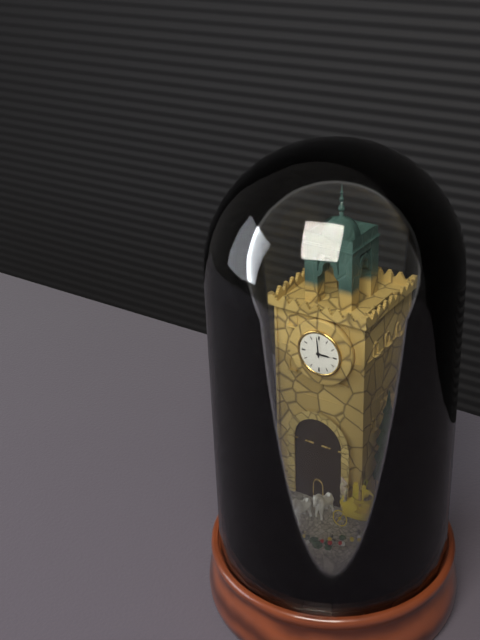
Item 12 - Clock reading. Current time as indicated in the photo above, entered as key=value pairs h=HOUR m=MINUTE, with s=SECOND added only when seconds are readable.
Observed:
h=2 m=59
